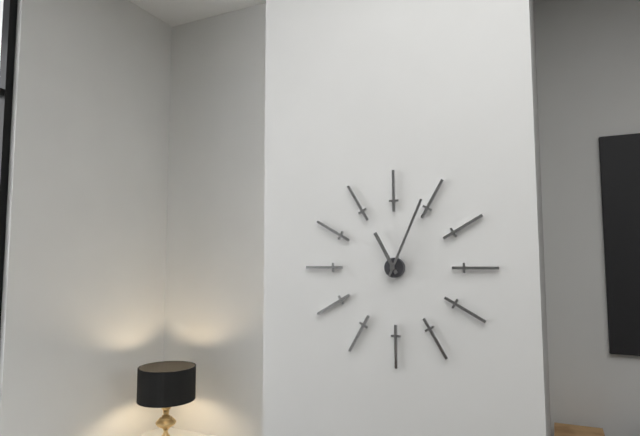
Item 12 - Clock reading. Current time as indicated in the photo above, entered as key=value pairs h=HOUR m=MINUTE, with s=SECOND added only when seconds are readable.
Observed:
h=11 m=4
